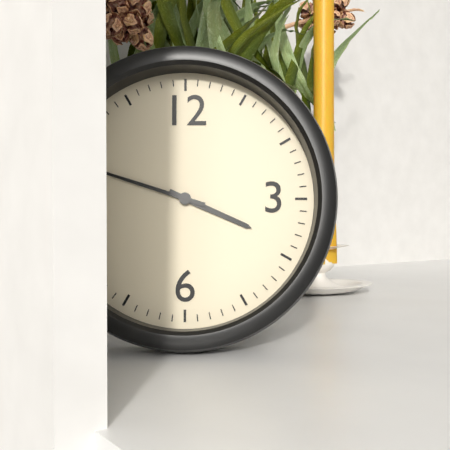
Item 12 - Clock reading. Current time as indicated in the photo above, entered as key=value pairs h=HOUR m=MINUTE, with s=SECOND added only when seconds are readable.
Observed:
h=3 m=48
